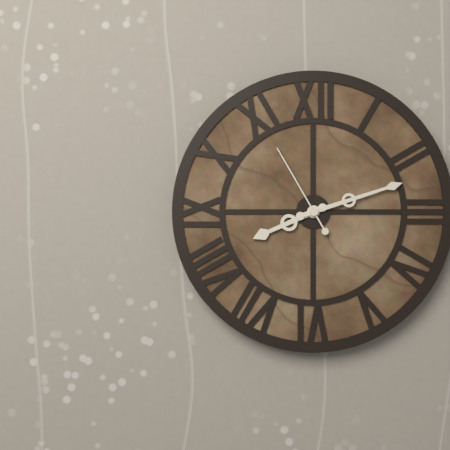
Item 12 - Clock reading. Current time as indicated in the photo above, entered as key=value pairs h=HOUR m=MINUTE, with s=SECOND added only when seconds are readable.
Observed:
h=8 m=12 s=55
